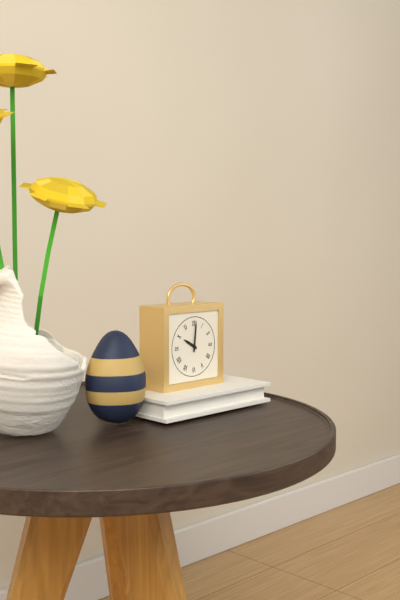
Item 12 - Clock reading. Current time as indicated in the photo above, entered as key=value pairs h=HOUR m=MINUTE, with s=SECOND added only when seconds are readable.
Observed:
h=10 m=1
